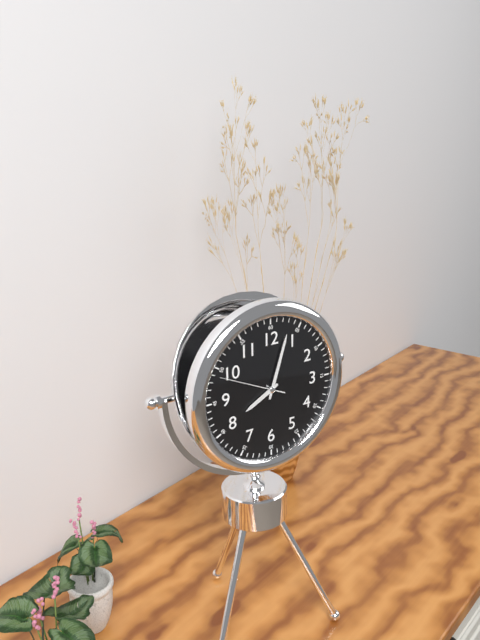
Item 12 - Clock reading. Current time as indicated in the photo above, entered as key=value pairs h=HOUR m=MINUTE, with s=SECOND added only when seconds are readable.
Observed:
h=8 m=3 s=49
